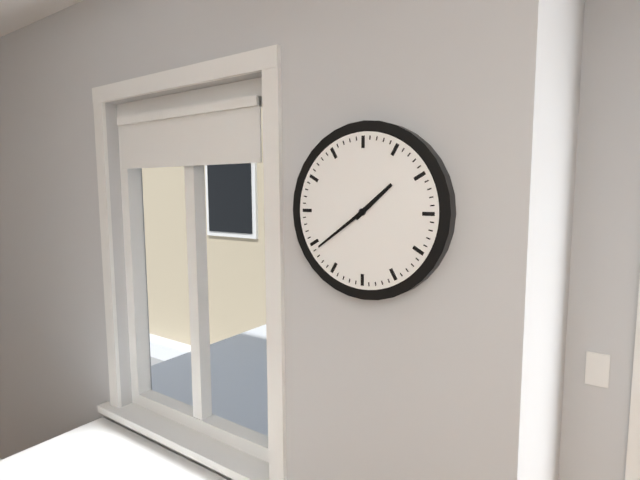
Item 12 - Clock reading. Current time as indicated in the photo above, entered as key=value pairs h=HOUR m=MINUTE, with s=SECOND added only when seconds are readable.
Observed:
h=1 m=39
